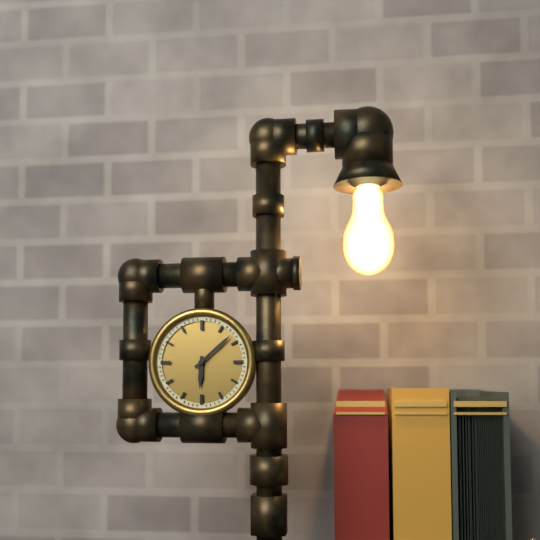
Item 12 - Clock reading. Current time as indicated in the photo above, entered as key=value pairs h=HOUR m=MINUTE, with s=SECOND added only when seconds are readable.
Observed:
h=6 m=8
